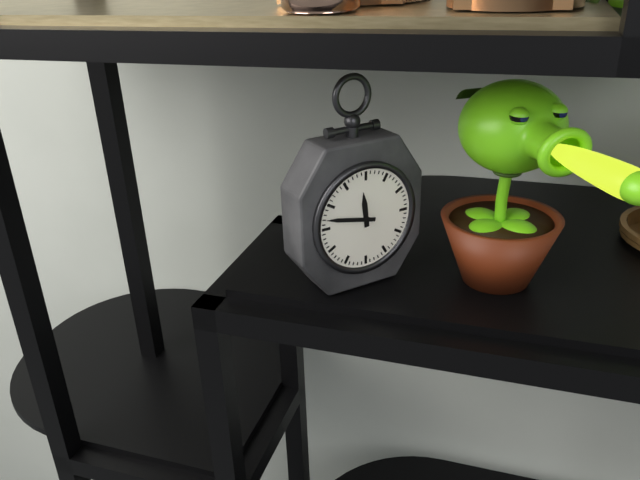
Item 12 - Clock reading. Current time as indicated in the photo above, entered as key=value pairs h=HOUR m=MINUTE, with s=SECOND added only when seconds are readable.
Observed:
h=11 m=47
